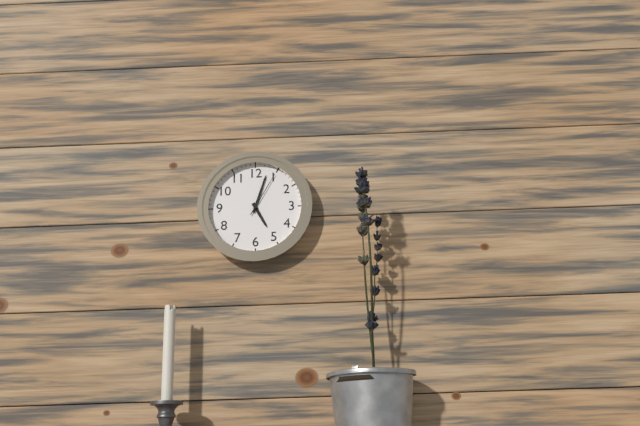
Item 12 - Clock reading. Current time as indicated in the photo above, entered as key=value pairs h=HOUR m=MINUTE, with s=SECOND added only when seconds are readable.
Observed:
h=5 m=3
